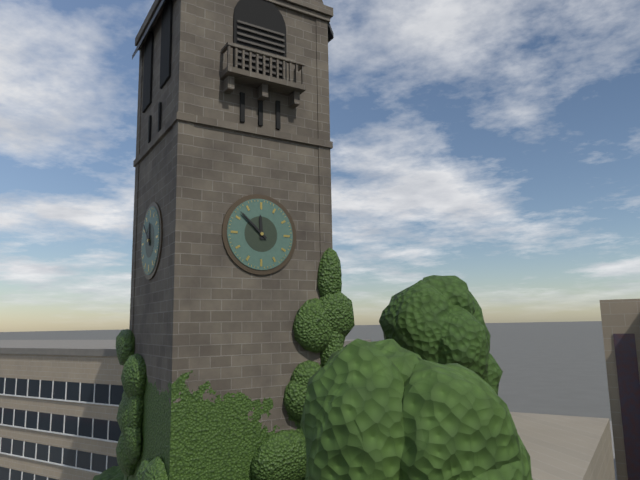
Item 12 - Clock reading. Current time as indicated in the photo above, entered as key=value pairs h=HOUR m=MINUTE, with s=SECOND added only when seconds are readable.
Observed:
h=11 m=52
